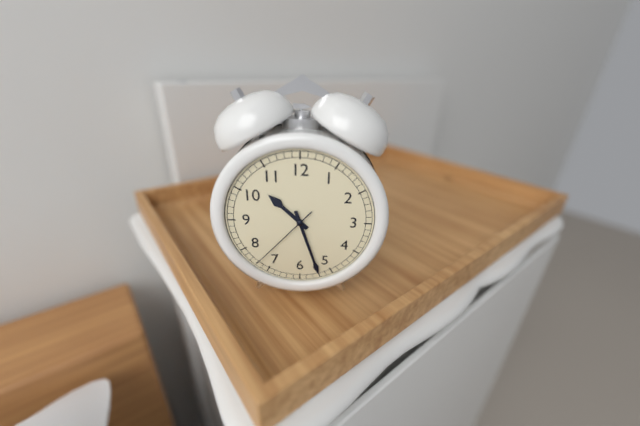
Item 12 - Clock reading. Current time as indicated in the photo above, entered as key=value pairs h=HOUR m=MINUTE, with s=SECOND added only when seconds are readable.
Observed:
h=10 m=27 s=37
